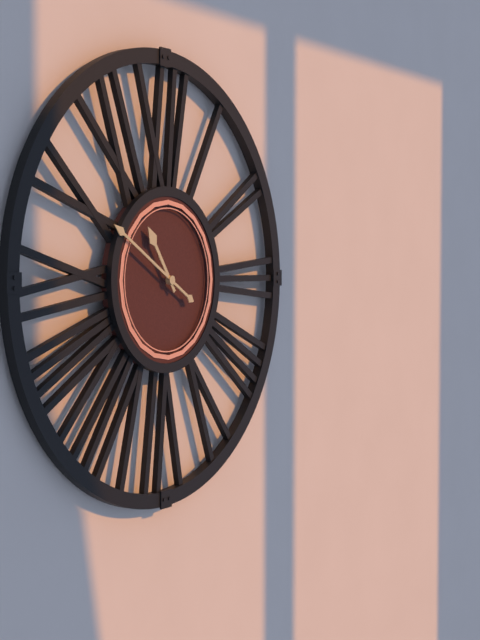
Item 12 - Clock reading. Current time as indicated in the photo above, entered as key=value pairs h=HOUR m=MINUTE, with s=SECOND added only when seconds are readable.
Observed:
h=10 m=50
